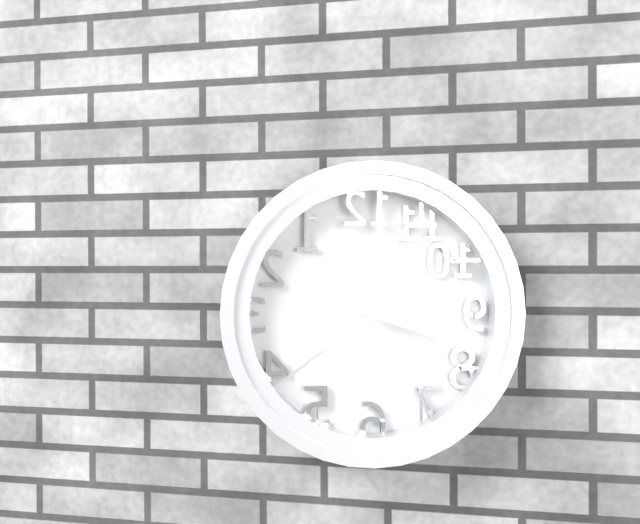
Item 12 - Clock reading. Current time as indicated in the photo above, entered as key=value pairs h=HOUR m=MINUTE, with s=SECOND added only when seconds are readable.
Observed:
h=3 m=39
